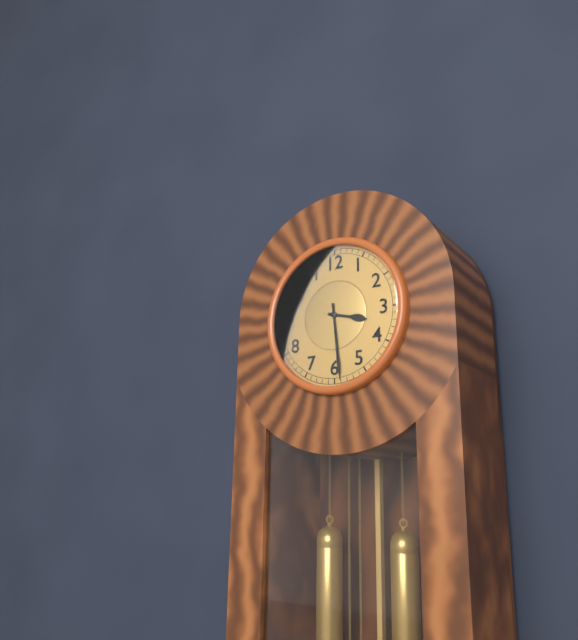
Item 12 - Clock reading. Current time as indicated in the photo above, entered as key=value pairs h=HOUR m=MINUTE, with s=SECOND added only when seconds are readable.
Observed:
h=3 m=29
